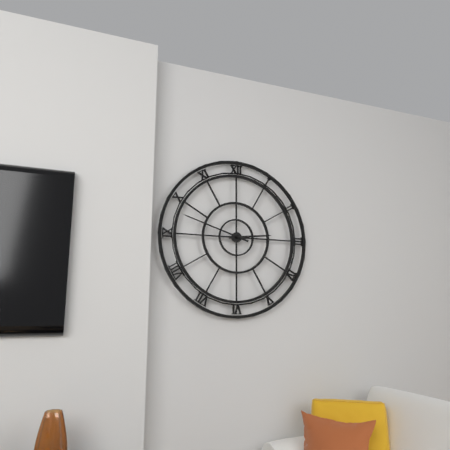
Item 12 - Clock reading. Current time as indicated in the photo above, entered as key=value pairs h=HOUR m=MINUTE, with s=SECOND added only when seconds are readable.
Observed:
h=2 m=48
